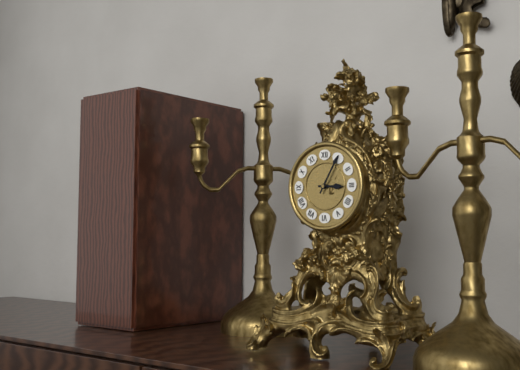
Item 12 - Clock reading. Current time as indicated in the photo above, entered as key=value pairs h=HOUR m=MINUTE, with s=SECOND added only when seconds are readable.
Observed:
h=3 m=5
